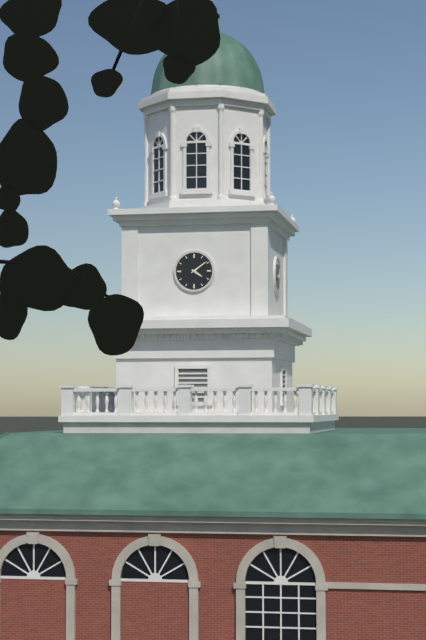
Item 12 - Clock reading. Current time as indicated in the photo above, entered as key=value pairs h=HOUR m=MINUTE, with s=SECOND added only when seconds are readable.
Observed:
h=4 m=9
